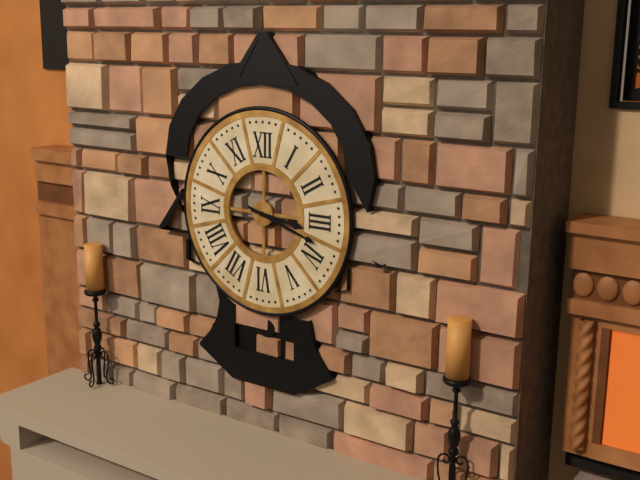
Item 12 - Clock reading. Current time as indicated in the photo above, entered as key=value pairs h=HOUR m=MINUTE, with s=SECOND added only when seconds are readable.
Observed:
h=3 m=18
